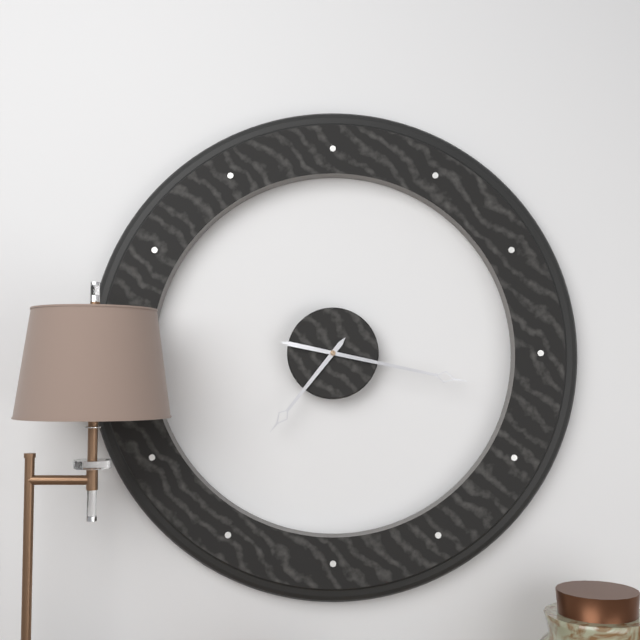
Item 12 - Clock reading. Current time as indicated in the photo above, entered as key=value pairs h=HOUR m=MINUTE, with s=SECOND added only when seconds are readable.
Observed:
h=7 m=17
